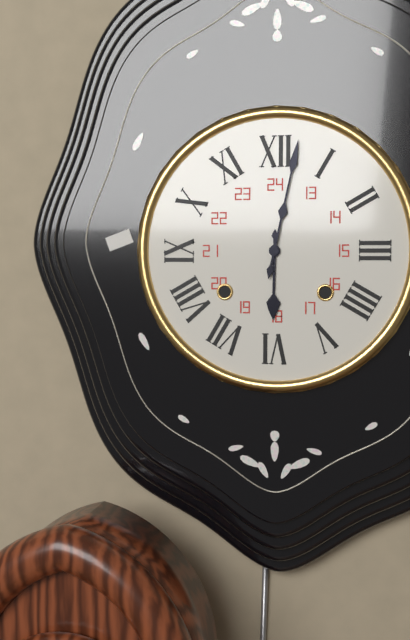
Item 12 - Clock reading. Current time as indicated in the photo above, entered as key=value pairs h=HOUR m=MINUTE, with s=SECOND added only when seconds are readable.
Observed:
h=6 m=2
